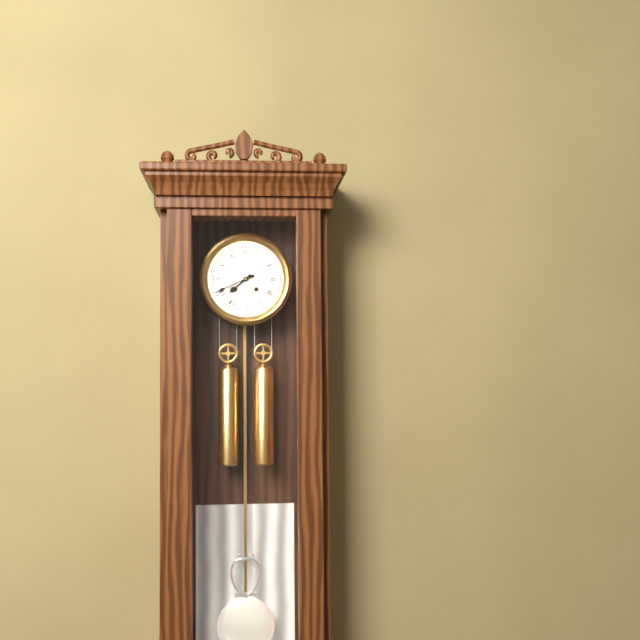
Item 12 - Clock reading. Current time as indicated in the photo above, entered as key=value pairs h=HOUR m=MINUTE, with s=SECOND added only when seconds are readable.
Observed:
h=7 m=41
